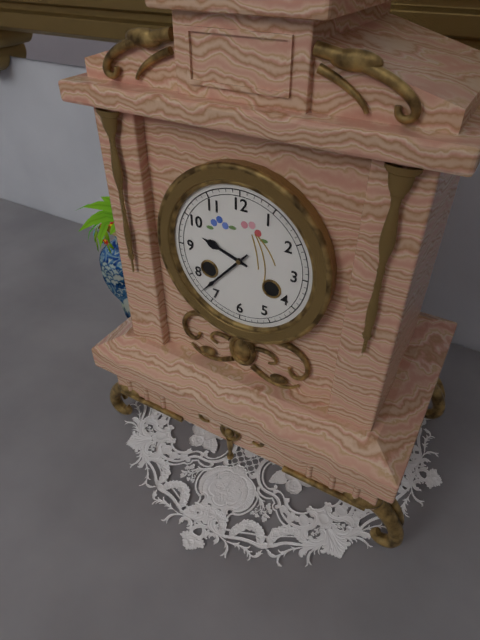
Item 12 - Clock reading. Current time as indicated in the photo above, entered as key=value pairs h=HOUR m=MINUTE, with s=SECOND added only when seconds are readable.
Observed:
h=9 m=37
